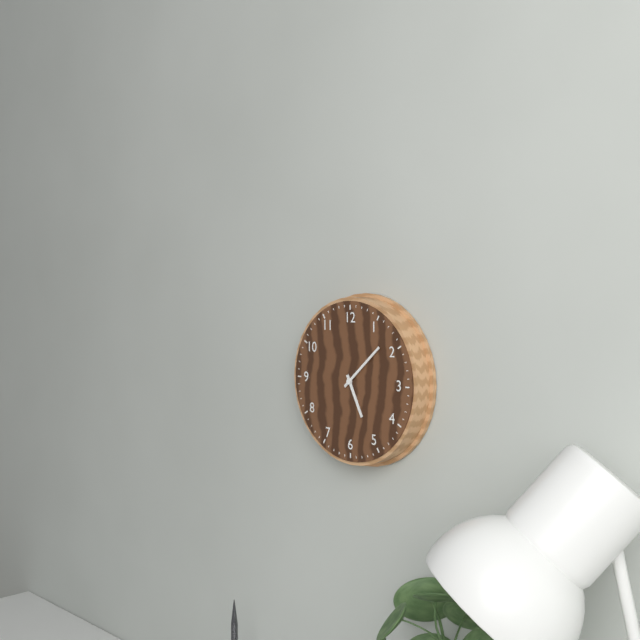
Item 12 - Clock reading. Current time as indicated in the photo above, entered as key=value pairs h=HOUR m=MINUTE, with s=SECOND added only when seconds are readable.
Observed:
h=5 m=8
